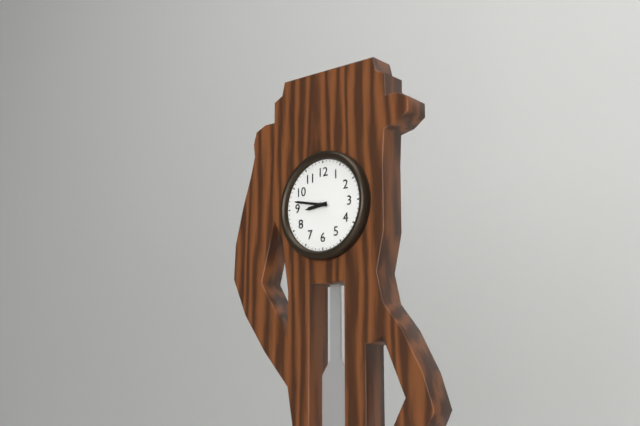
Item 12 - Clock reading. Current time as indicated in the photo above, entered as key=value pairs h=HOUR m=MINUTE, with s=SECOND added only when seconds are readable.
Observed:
h=8 m=47
